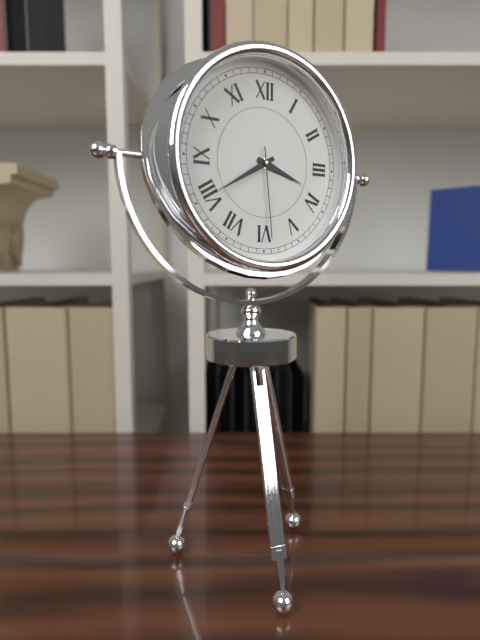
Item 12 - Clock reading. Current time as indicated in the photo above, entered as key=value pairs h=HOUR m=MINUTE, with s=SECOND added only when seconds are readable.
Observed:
h=3 m=40 s=29
